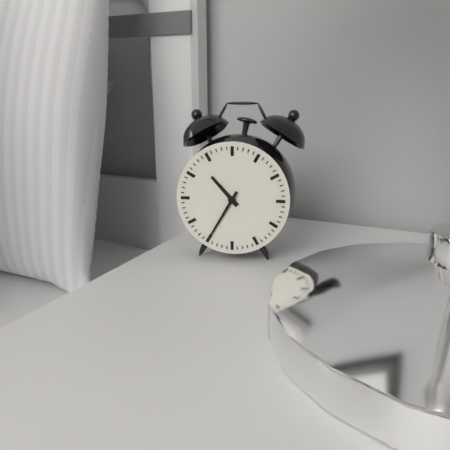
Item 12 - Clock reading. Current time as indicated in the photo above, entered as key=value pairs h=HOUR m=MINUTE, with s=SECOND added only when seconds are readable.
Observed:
h=10 m=35
